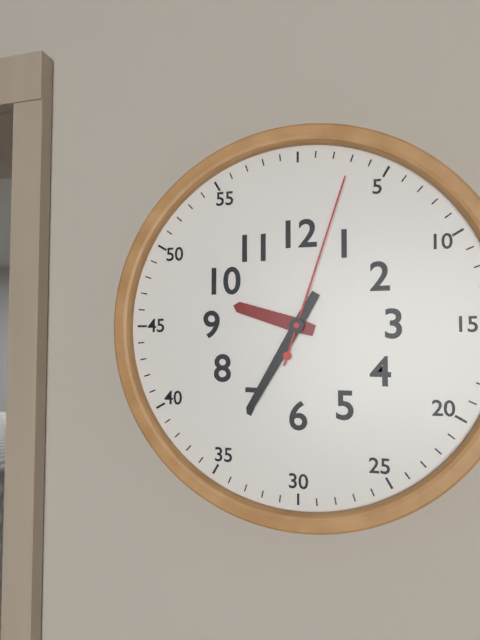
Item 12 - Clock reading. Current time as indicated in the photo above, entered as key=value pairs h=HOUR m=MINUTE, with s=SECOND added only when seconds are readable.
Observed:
h=9 m=35 s=3
